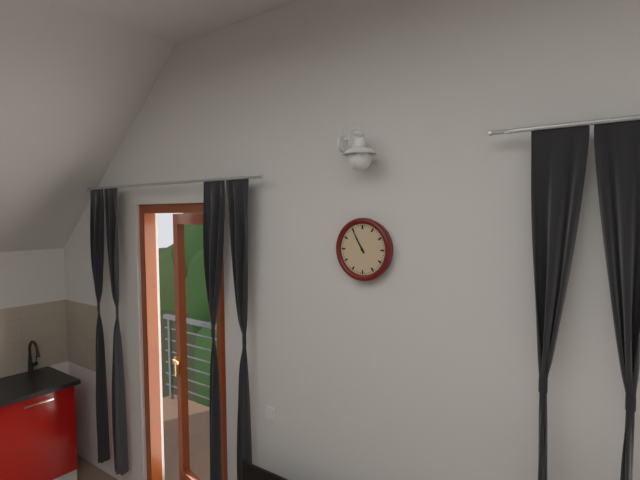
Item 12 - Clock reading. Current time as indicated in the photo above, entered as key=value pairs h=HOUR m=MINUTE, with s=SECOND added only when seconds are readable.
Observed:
h=10 m=55
